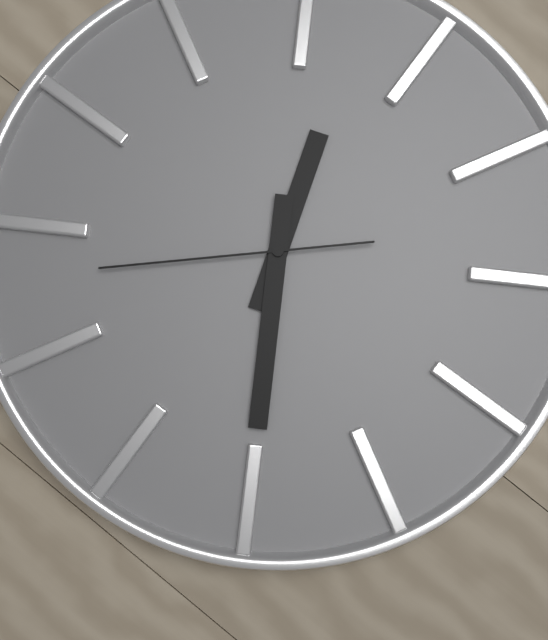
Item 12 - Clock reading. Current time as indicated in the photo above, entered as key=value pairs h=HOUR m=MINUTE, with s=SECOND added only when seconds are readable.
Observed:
h=11 m=25 s=38
